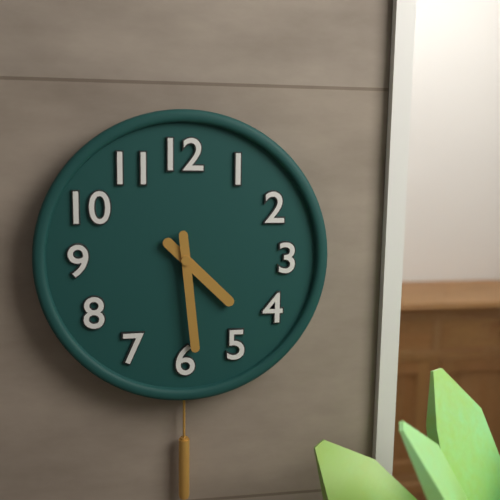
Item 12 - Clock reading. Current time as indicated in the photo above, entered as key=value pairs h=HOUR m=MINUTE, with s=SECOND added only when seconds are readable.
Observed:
h=4 m=29
